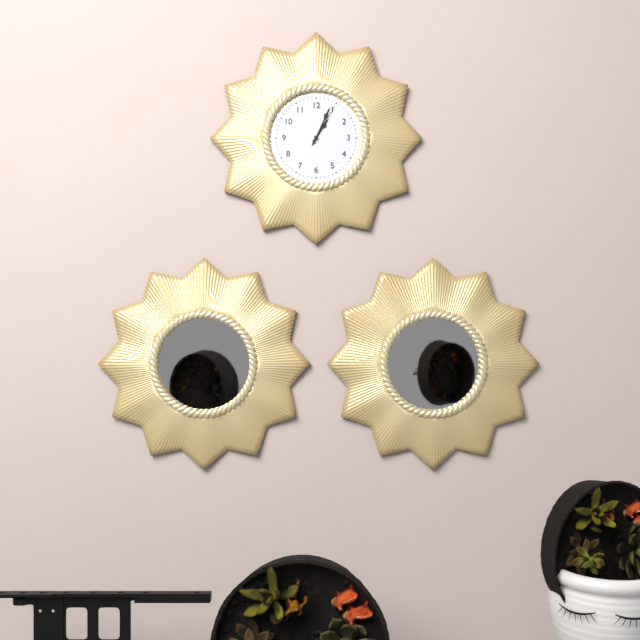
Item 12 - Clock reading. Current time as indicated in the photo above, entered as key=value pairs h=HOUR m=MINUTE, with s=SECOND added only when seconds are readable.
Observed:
h=1 m=4
